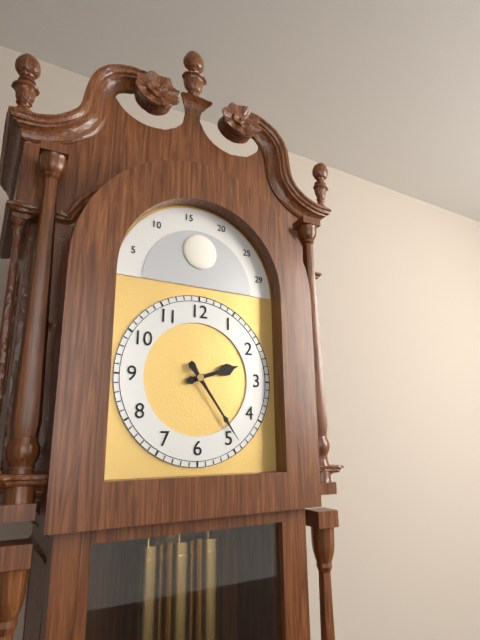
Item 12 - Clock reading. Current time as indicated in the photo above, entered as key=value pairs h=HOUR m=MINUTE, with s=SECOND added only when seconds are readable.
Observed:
h=2 m=24
